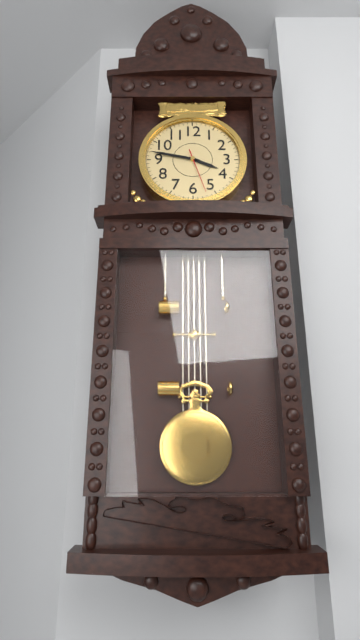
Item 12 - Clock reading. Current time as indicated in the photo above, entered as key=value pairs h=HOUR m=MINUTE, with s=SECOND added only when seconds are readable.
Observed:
h=3 m=47
